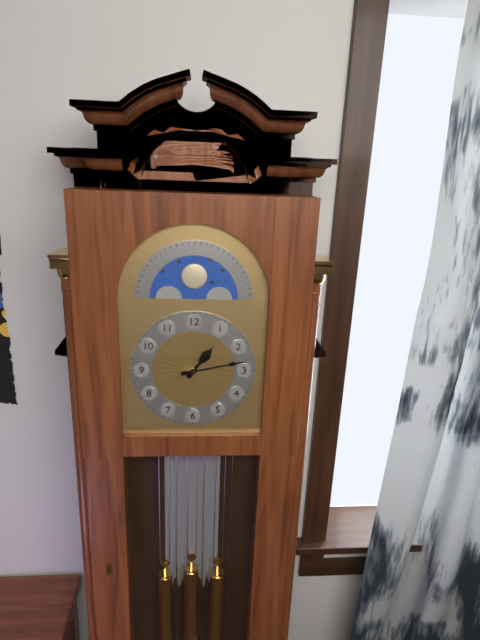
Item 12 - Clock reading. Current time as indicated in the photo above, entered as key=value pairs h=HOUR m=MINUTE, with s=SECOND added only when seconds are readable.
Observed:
h=1 m=13
